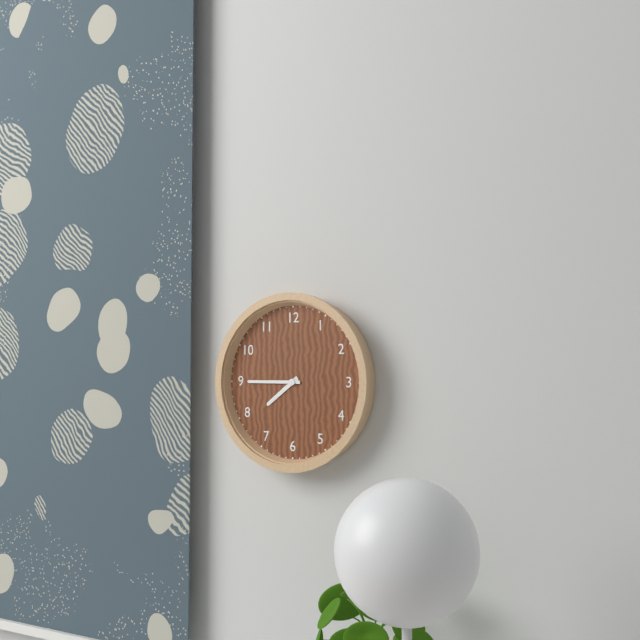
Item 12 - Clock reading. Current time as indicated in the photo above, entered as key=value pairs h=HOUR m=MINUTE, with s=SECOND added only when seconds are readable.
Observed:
h=7 m=45
